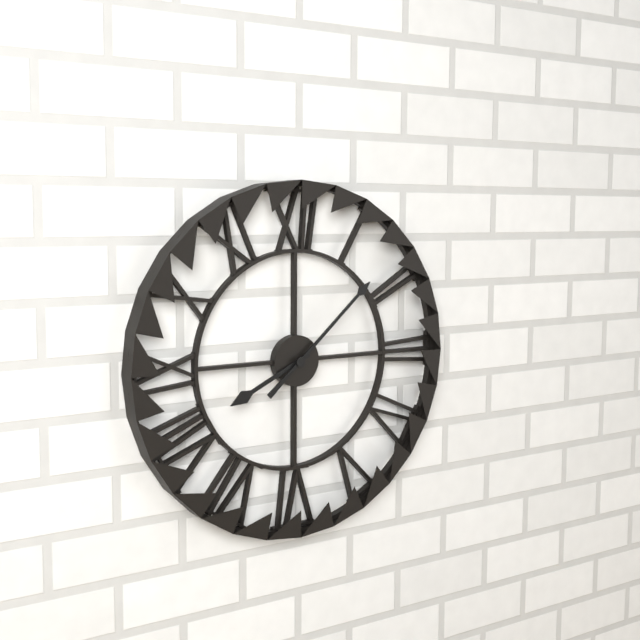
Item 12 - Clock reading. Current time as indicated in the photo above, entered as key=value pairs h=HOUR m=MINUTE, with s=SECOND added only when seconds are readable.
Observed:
h=8 m=8
